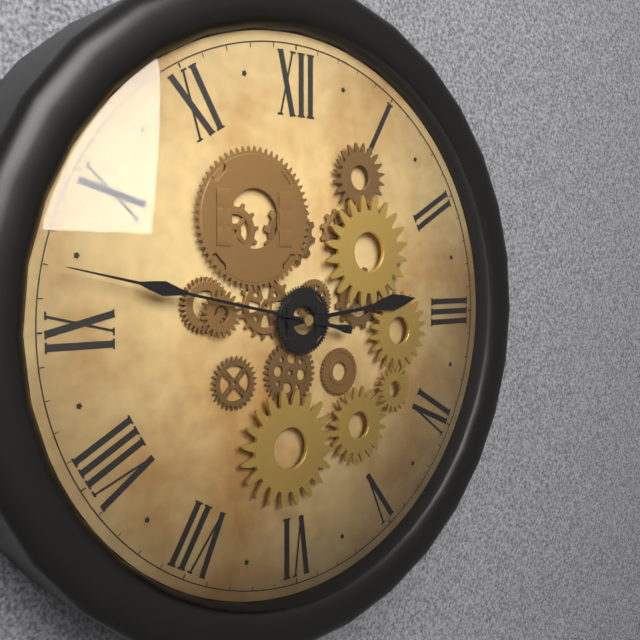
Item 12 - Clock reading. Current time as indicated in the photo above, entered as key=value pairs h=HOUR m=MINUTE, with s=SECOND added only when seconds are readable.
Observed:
h=2 m=47
